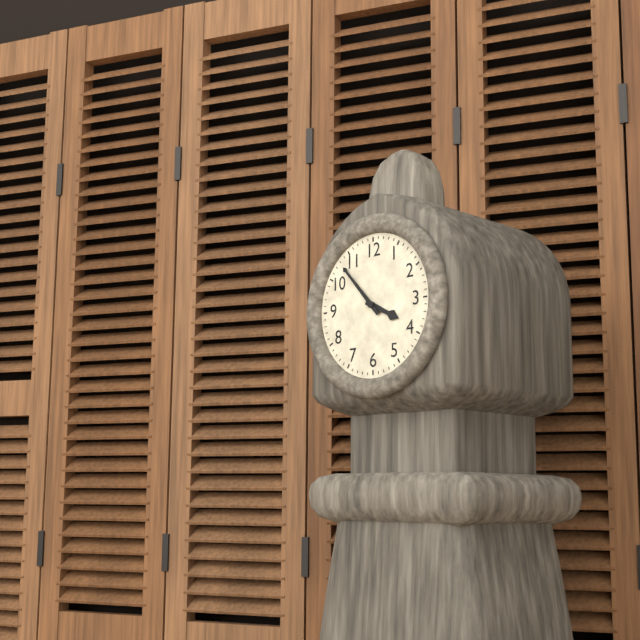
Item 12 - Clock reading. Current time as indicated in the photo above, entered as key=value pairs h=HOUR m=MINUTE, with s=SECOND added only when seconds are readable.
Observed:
h=3 m=53
